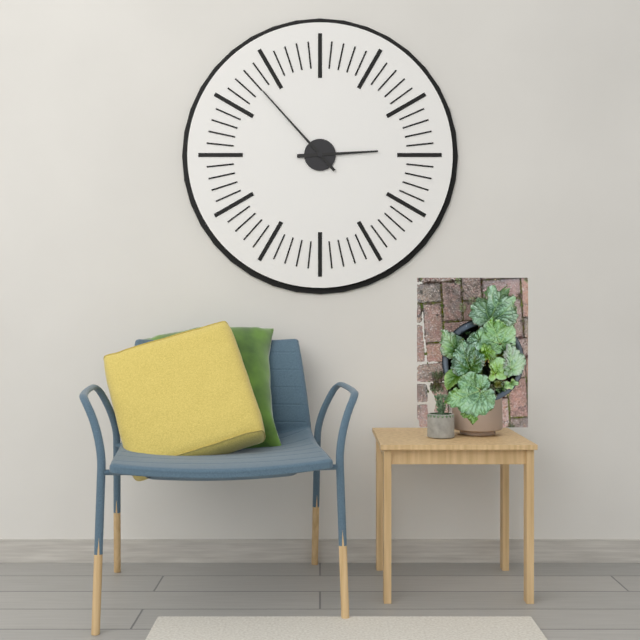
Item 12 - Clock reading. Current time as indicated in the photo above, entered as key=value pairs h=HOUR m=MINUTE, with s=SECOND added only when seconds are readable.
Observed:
h=2 m=53
